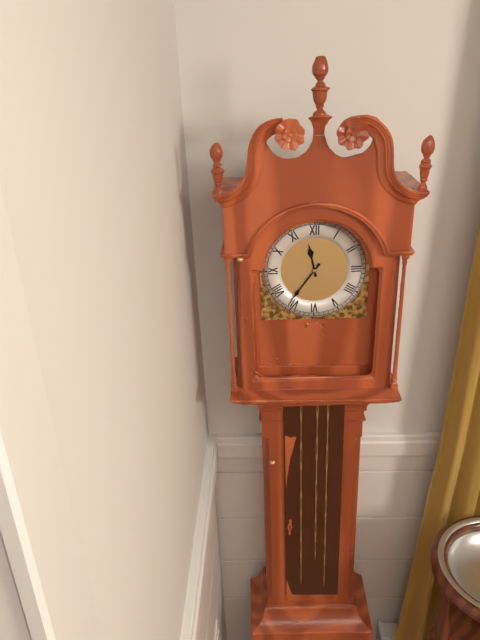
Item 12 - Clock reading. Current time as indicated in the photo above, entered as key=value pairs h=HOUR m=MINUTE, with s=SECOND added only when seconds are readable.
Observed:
h=11 m=36
